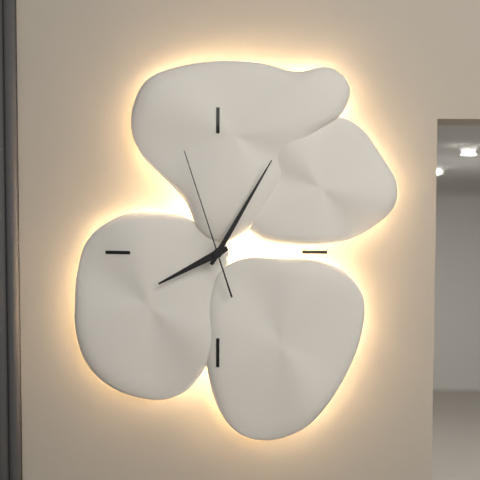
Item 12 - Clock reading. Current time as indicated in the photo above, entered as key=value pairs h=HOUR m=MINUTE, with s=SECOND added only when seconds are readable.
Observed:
h=8 m=5 s=57
